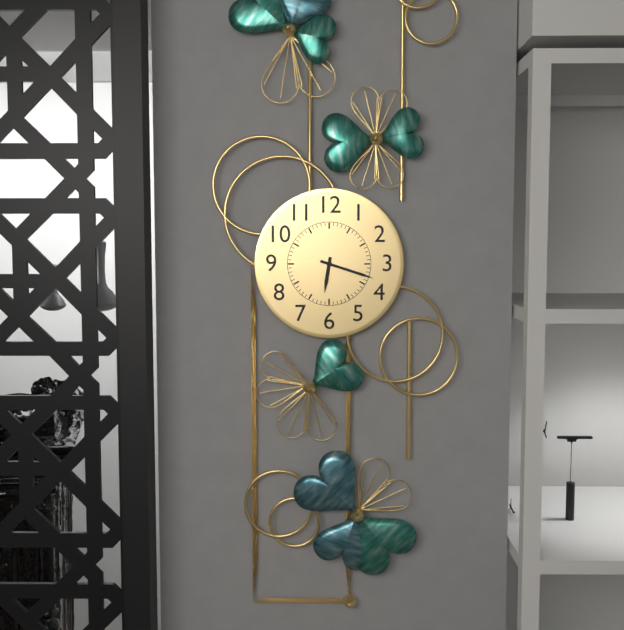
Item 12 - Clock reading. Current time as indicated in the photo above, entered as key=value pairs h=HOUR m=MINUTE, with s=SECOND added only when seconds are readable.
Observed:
h=6 m=18
